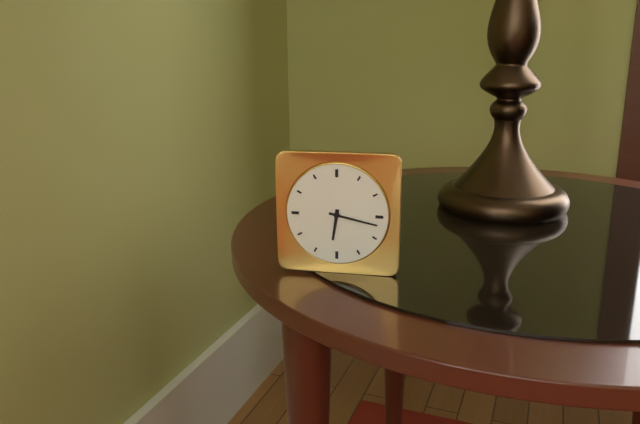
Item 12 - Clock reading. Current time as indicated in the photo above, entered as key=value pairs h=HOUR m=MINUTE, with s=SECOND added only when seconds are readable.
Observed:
h=6 m=17
